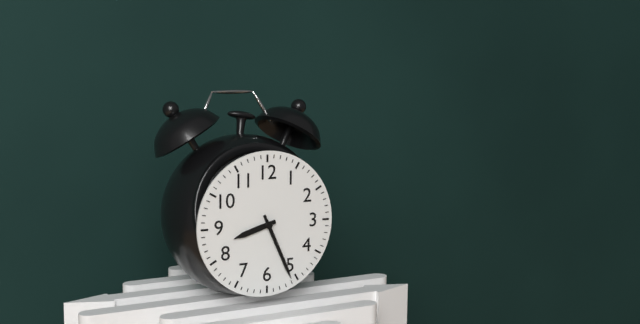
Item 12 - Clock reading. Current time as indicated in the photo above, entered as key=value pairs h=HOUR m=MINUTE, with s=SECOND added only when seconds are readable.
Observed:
h=8 m=26
